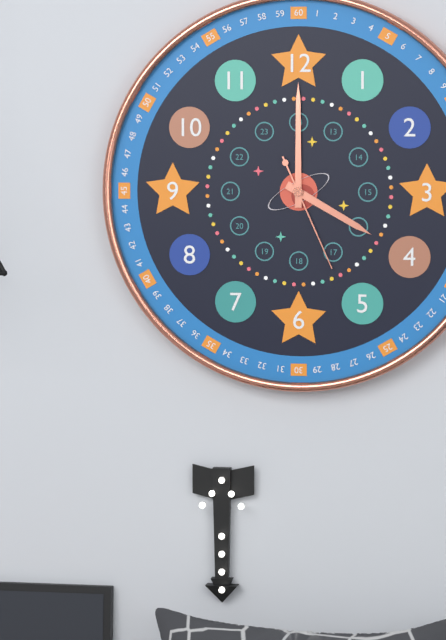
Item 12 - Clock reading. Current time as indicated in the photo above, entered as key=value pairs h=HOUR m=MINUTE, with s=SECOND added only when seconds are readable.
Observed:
h=4 m=0 s=26
